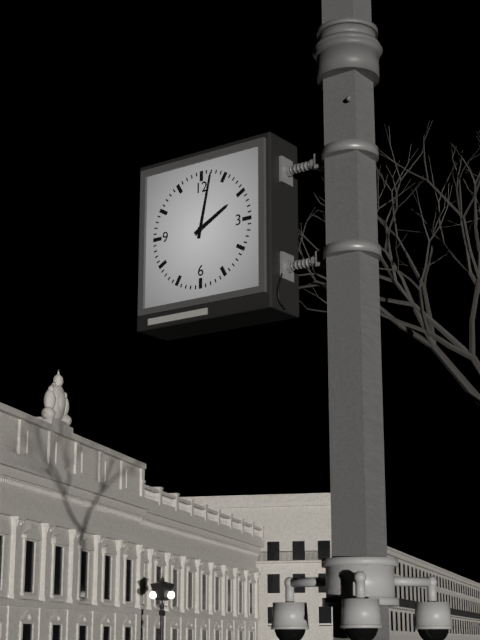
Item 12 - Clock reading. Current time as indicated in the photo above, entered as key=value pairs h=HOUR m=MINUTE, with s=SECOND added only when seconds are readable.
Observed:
h=2 m=2
